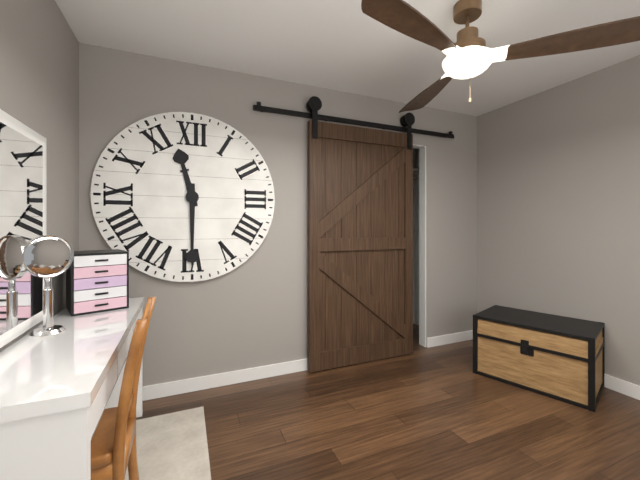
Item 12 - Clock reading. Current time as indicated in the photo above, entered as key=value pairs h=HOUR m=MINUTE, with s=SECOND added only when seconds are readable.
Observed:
h=11 m=30
